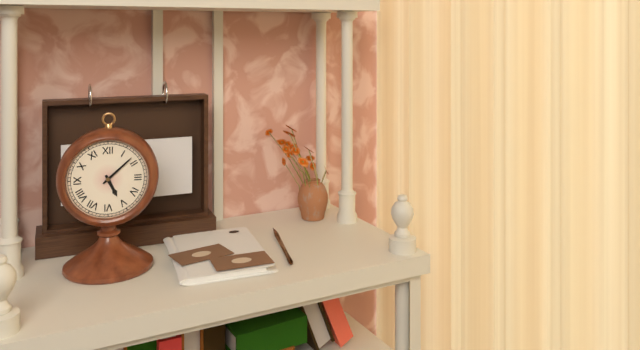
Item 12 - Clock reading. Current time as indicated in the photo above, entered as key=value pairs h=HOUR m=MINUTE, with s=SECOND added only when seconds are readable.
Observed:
h=5 m=8
